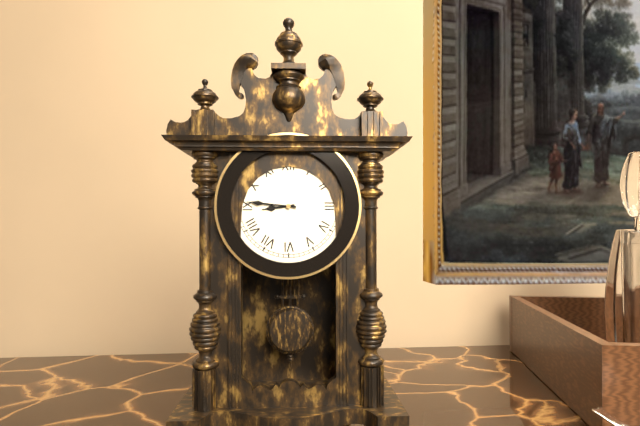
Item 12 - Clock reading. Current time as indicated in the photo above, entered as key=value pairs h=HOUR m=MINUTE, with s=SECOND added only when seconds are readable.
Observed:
h=8 m=46
